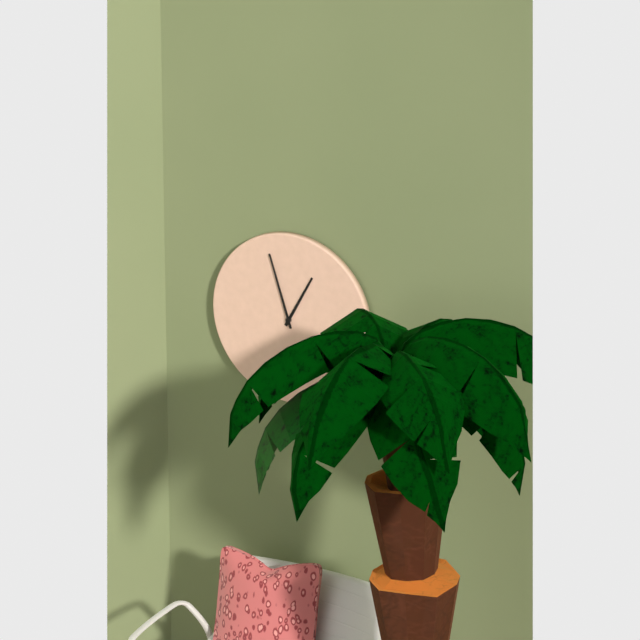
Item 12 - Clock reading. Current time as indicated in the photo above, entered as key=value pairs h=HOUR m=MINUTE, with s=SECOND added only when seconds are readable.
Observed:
h=12 m=57
